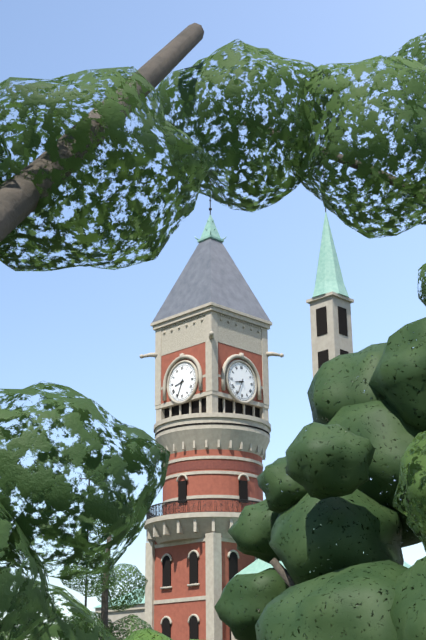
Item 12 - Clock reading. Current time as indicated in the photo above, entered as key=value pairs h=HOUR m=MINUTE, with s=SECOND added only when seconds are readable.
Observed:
h=8 m=34
